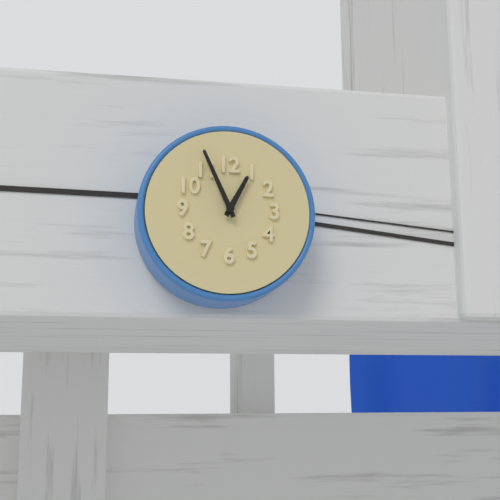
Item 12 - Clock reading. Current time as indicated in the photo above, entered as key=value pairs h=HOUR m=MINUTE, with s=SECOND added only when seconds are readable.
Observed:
h=12 m=56
